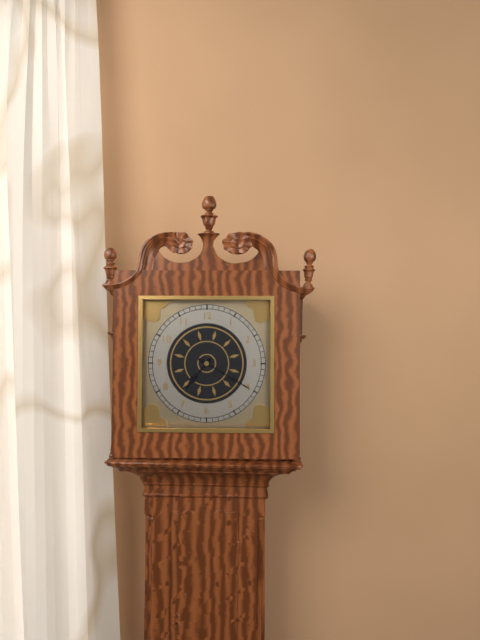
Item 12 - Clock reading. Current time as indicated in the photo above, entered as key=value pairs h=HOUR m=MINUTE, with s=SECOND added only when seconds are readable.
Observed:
h=7 m=20
